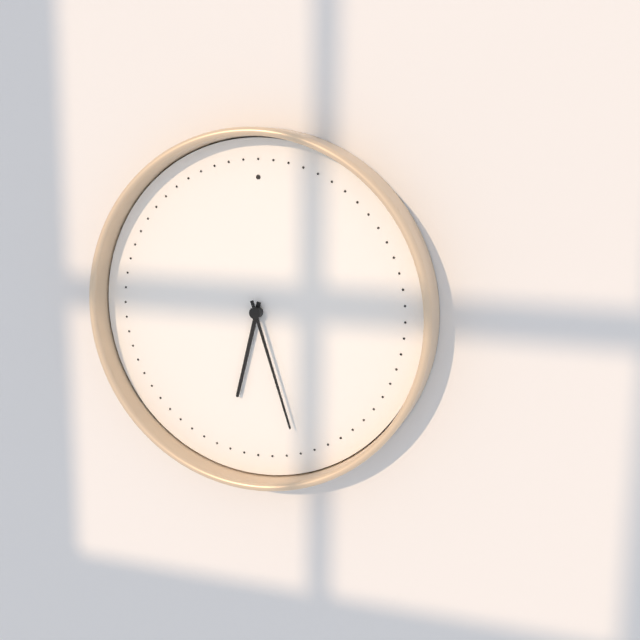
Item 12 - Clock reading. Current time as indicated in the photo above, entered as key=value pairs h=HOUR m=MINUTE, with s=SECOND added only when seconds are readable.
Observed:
h=6 m=27
